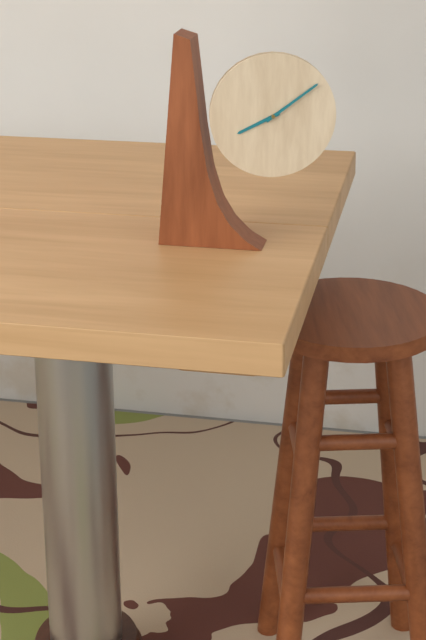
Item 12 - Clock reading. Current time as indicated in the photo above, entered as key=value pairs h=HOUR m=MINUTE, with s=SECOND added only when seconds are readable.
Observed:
h=8 m=9
